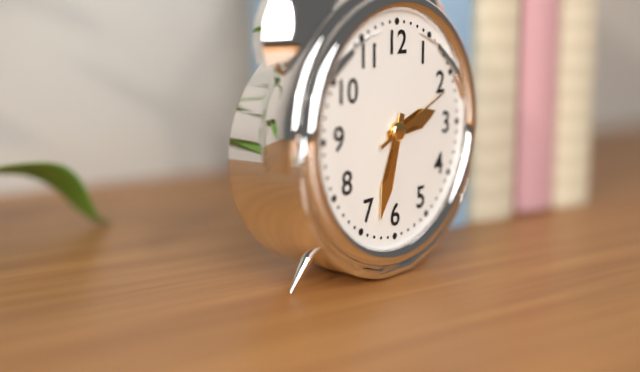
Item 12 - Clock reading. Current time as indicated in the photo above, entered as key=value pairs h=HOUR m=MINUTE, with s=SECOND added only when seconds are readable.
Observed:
h=2 m=33 s=11
